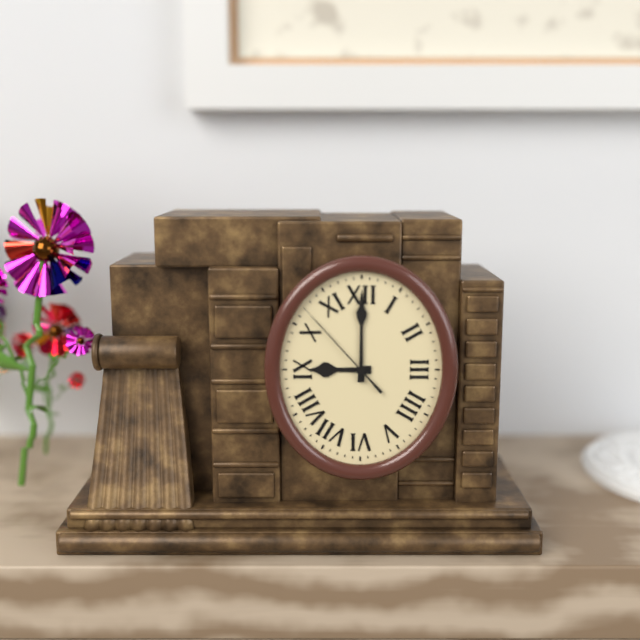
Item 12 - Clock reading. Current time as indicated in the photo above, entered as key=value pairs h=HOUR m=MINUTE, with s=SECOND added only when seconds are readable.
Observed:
h=9 m=0 s=53
